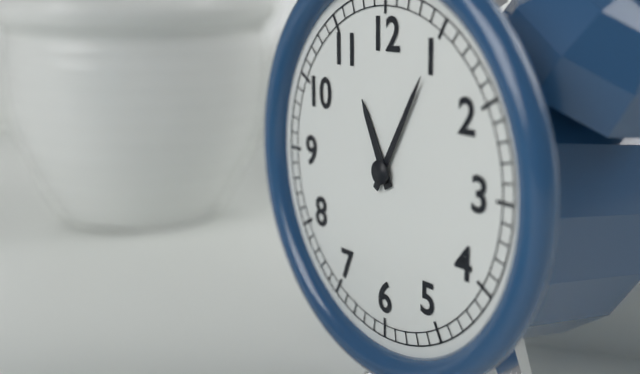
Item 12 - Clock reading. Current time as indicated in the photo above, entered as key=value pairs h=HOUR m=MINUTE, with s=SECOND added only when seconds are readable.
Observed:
h=11 m=5
